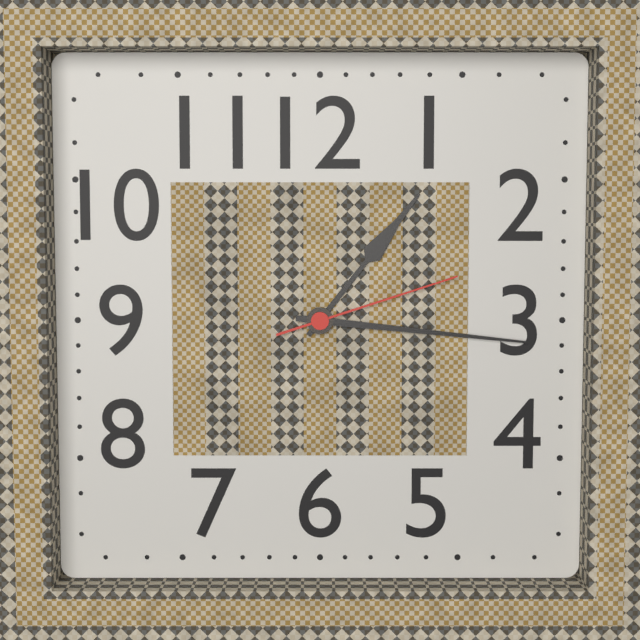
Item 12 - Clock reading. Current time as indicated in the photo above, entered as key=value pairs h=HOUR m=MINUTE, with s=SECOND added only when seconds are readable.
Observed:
h=1 m=16 s=12
